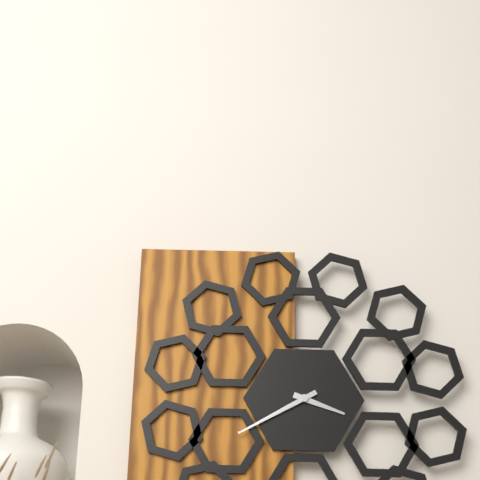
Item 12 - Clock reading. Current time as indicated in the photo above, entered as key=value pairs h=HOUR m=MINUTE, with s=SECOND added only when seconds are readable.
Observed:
h=3 m=40
